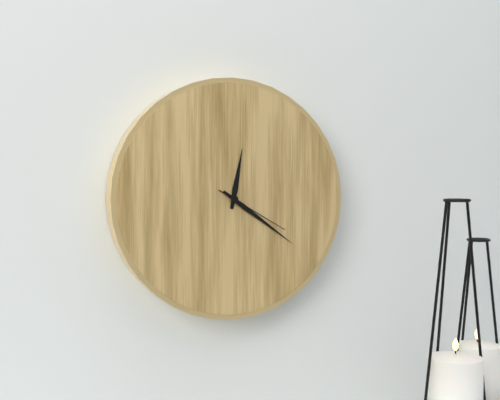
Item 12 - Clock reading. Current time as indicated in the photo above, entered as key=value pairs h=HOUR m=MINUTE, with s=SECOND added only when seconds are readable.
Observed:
h=12 m=21 s=20
